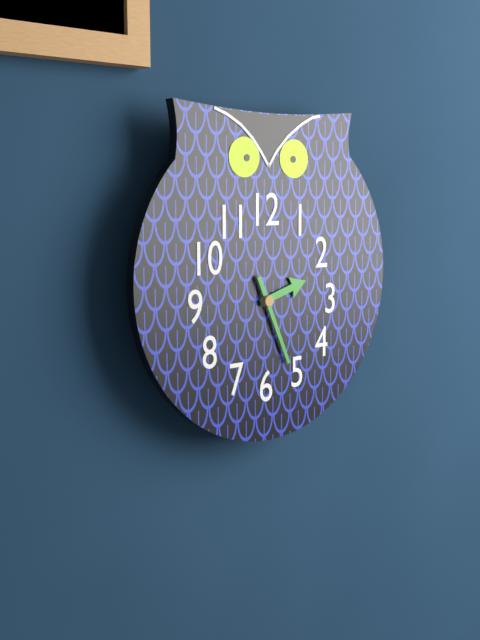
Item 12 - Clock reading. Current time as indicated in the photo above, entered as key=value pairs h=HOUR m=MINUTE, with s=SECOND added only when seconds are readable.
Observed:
h=2 m=26
